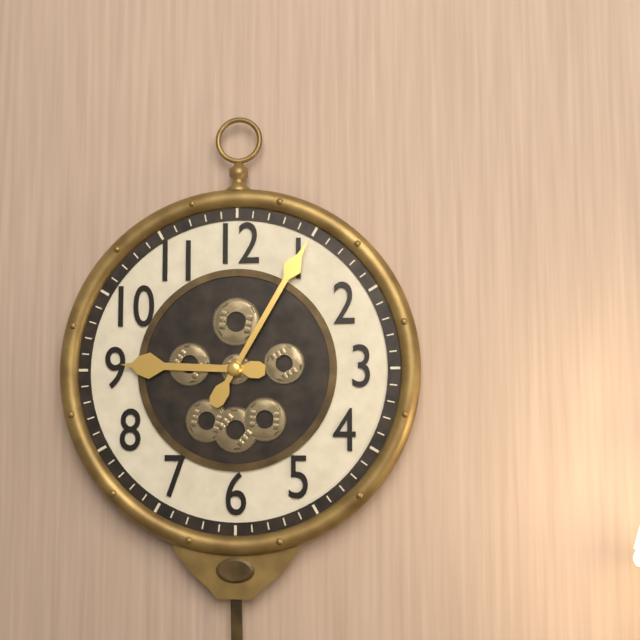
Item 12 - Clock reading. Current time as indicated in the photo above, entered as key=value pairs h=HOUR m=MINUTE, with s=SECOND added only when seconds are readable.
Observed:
h=9 m=5
